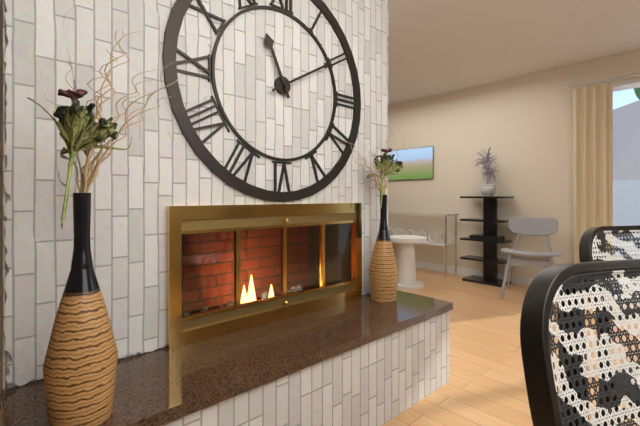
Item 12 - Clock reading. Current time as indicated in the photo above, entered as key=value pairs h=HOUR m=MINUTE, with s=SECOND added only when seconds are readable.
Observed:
h=11 m=10
